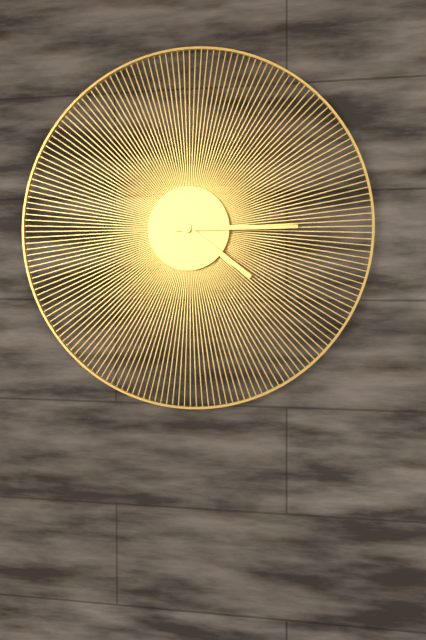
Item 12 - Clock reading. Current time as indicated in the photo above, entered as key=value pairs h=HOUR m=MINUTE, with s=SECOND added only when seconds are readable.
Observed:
h=4 m=15
